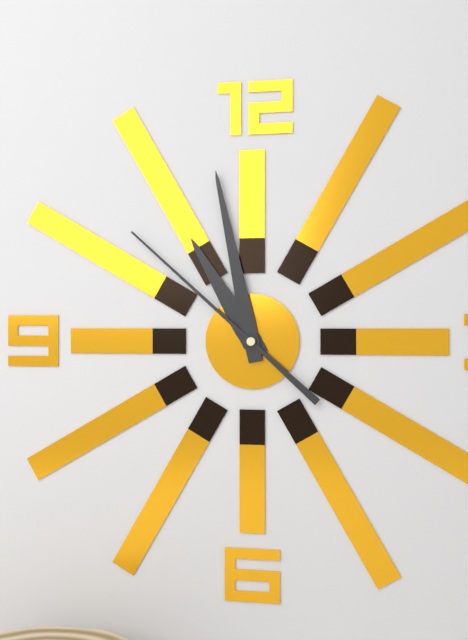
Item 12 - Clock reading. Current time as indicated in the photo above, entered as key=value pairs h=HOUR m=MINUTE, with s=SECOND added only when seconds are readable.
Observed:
h=10 m=58 s=52
